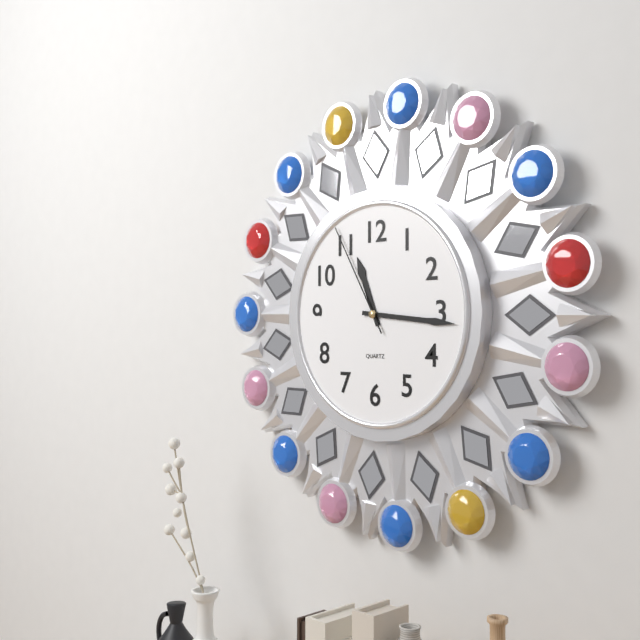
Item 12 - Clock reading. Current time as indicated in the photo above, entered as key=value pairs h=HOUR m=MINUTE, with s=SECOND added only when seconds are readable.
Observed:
h=11 m=16 s=55
